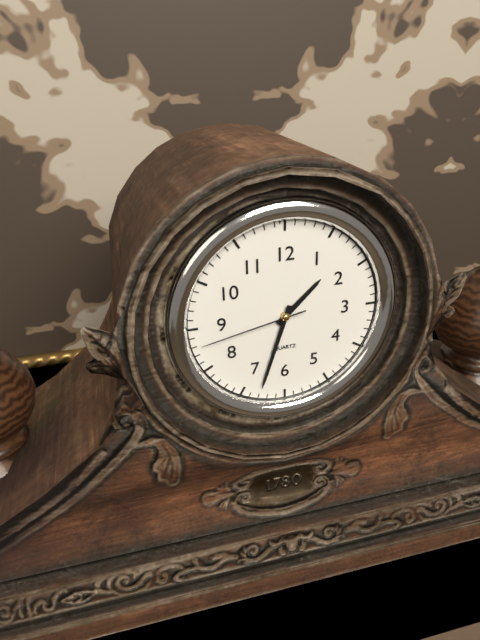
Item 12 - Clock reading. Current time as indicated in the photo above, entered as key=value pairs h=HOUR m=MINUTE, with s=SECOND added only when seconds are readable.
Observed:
h=1 m=33 s=43
